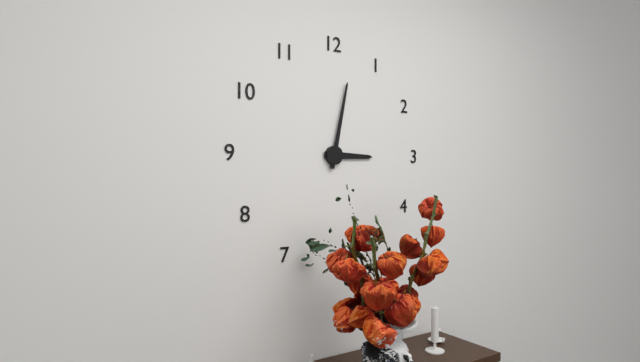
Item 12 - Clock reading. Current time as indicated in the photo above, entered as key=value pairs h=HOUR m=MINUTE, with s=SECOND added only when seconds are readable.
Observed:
h=3 m=2
